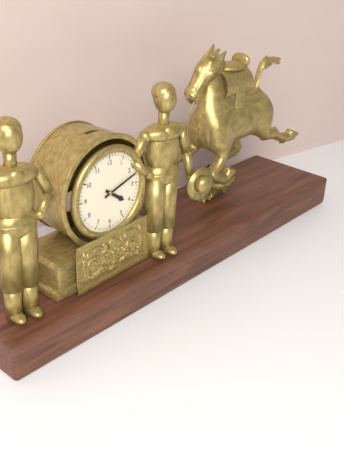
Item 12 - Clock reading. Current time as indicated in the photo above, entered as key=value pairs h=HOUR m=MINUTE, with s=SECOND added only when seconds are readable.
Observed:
h=4 m=12
